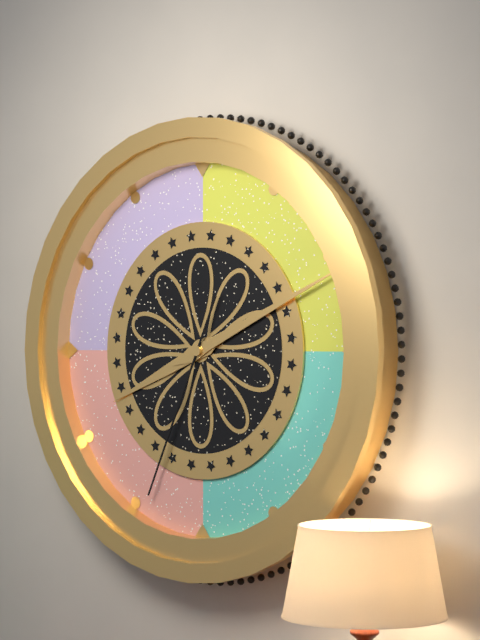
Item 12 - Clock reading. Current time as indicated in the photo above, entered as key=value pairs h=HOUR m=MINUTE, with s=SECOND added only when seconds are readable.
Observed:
h=8 m=11 s=34
